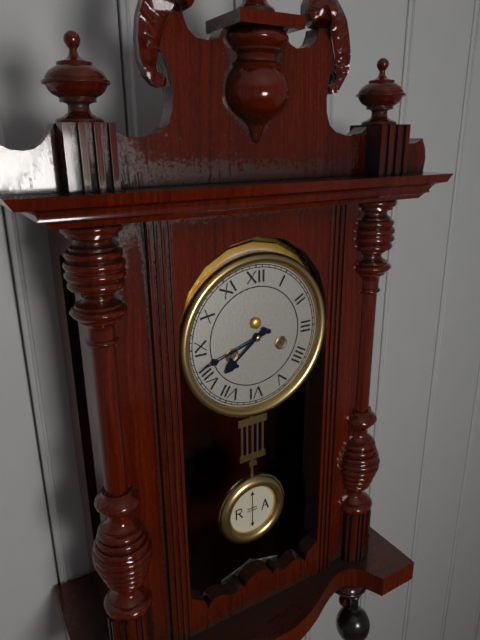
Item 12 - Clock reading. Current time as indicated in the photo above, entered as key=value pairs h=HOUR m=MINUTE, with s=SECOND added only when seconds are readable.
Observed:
h=7 m=42
